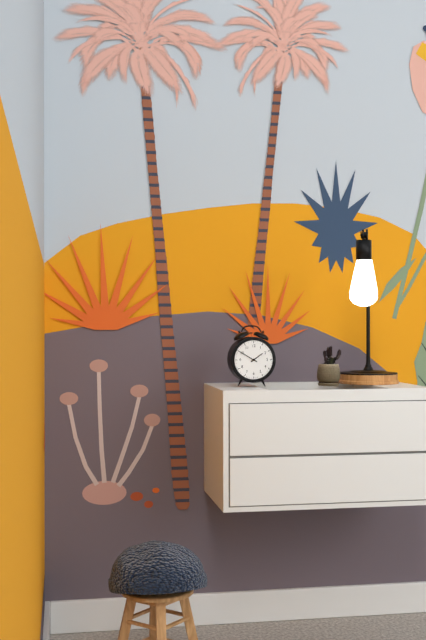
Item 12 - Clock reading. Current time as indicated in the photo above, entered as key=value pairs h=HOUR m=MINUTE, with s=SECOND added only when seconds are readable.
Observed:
h=1 m=50
